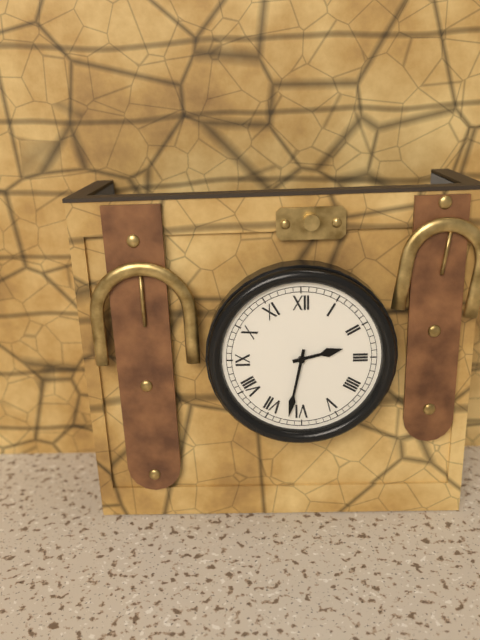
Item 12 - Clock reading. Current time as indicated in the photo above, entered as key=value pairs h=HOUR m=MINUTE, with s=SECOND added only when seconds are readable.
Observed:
h=2 m=32
